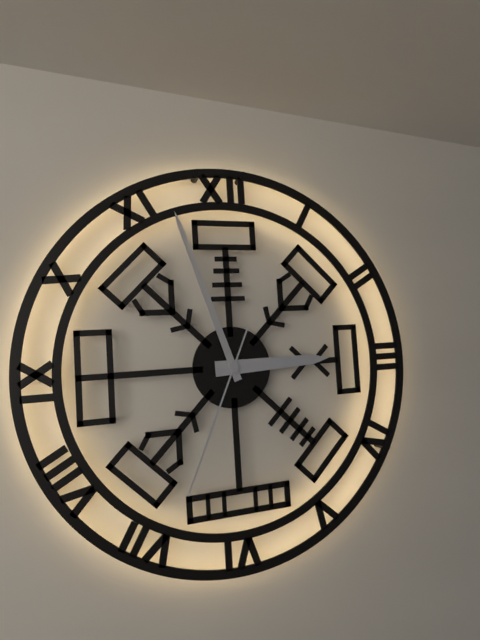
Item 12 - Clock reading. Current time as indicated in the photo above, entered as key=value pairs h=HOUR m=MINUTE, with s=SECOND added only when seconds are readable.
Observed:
h=2 m=57 s=34
